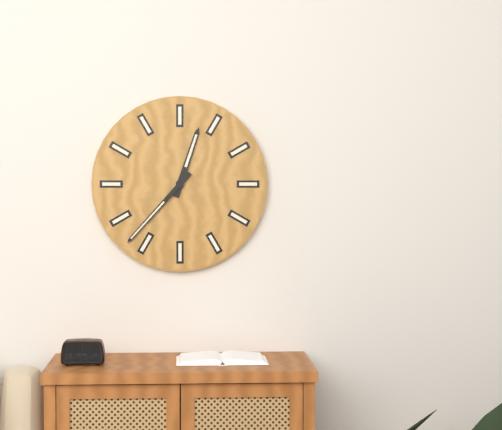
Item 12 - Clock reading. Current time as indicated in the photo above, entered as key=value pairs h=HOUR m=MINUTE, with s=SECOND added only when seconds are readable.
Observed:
h=12 m=37
